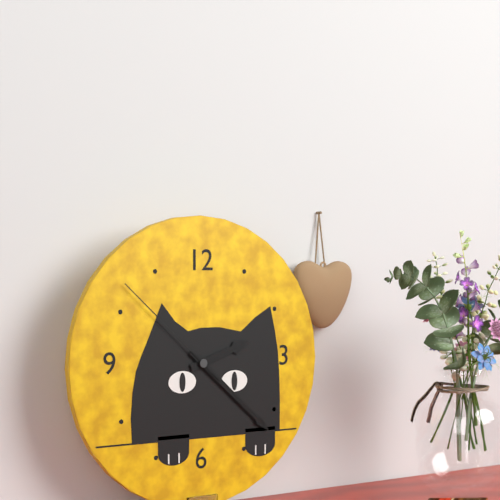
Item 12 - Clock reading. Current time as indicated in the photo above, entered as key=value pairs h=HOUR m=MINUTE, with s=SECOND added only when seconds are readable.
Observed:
h=2 m=22 s=52
